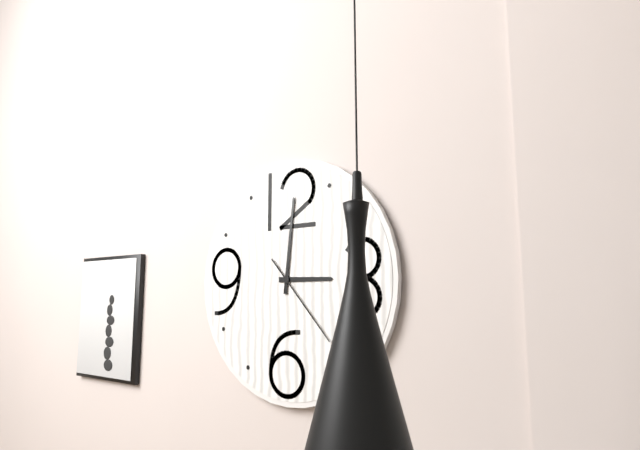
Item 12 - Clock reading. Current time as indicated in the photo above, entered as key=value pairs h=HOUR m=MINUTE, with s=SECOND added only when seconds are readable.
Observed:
h=3 m=1 s=23
